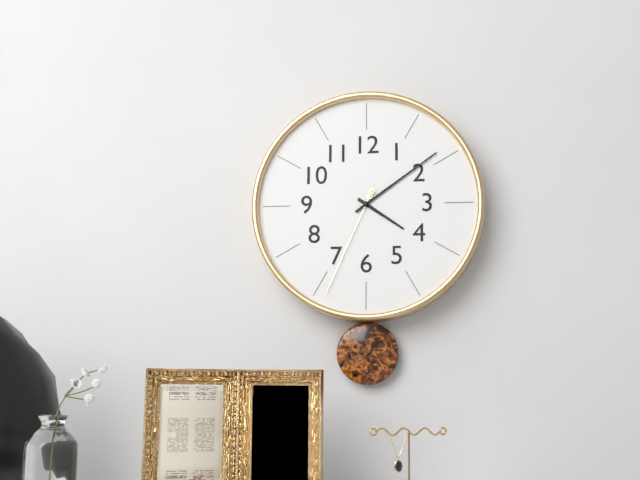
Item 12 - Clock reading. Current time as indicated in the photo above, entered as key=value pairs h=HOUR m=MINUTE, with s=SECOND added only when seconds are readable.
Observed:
h=4 m=9 s=34
